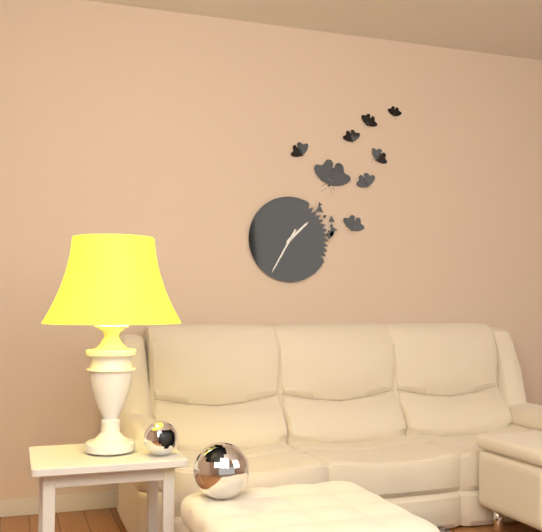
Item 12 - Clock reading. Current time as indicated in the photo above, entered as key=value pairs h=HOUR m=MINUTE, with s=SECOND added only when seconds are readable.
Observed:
h=1 m=35
